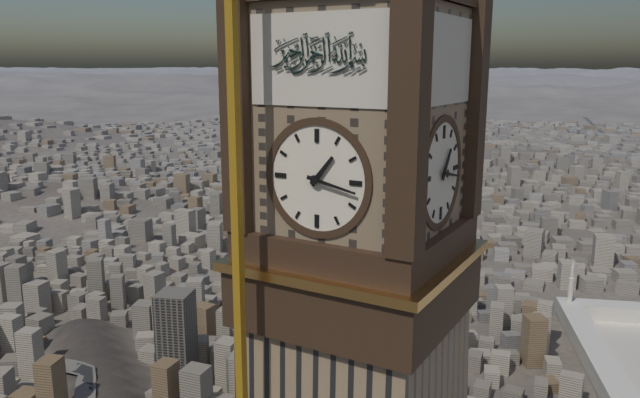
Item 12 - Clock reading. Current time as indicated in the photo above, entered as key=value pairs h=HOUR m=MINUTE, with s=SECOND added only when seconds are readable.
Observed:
h=1 m=17
